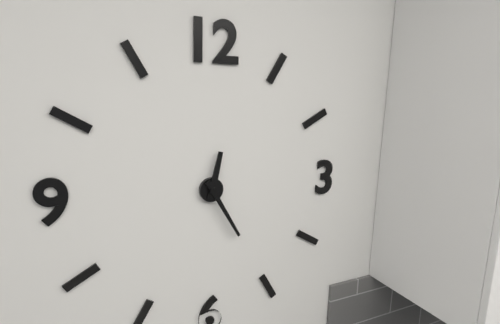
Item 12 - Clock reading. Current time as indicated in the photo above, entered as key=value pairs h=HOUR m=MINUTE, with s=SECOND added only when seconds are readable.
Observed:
h=12 m=25
